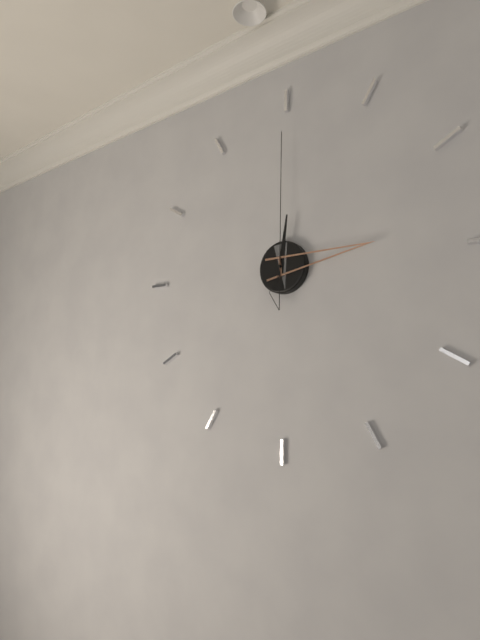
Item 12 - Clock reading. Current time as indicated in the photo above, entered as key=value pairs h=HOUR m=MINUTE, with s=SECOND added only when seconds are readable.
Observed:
h=12 m=14 s=0
